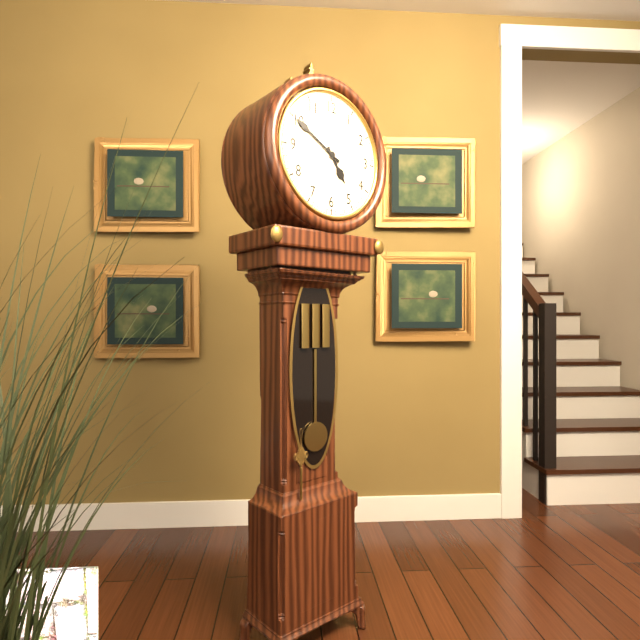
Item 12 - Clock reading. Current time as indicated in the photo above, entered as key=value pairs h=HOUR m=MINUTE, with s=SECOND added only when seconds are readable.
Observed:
h=4 m=50
